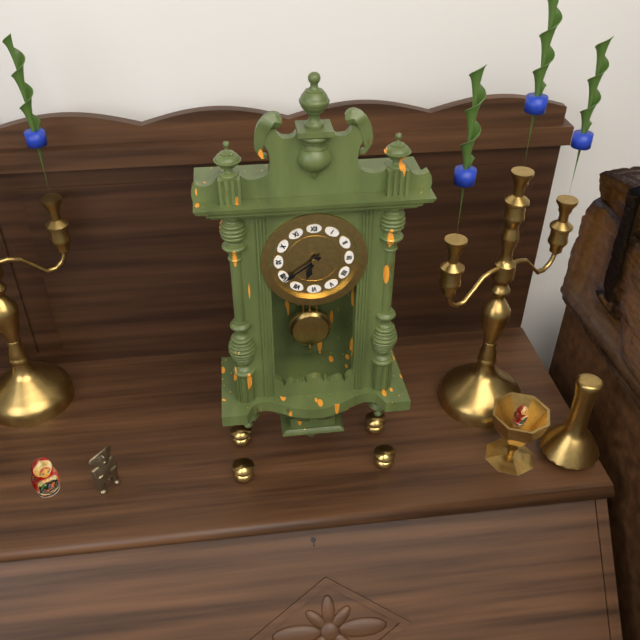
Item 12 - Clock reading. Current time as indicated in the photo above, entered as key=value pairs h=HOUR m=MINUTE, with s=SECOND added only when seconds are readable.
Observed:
h=6 m=39
